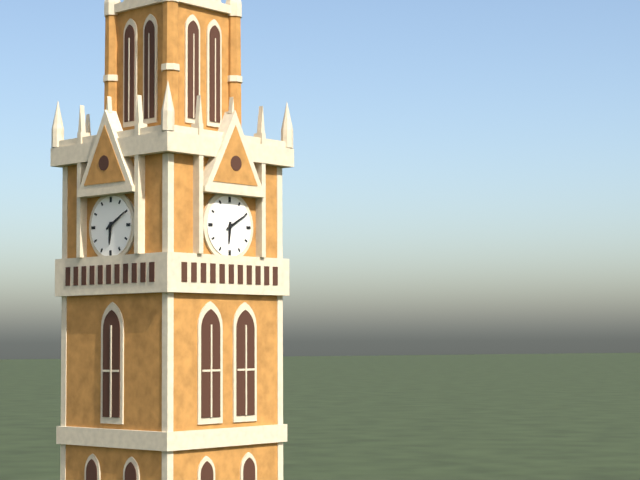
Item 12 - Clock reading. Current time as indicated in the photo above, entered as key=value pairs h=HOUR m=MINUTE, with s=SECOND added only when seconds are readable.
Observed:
h=6 m=10
